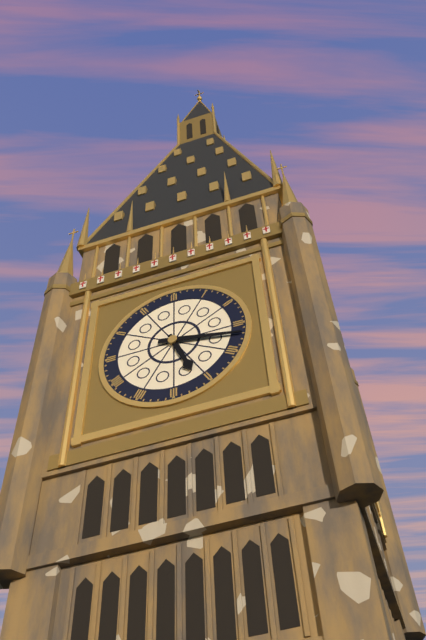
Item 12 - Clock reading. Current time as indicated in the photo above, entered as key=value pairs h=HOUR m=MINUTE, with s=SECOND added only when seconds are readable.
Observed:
h=5 m=17
